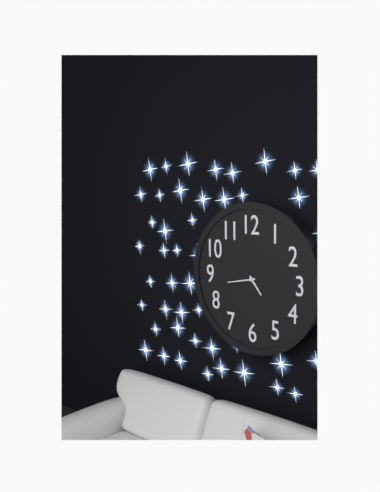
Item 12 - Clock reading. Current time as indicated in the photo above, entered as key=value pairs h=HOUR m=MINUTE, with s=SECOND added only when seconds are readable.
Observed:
h=4 m=43
